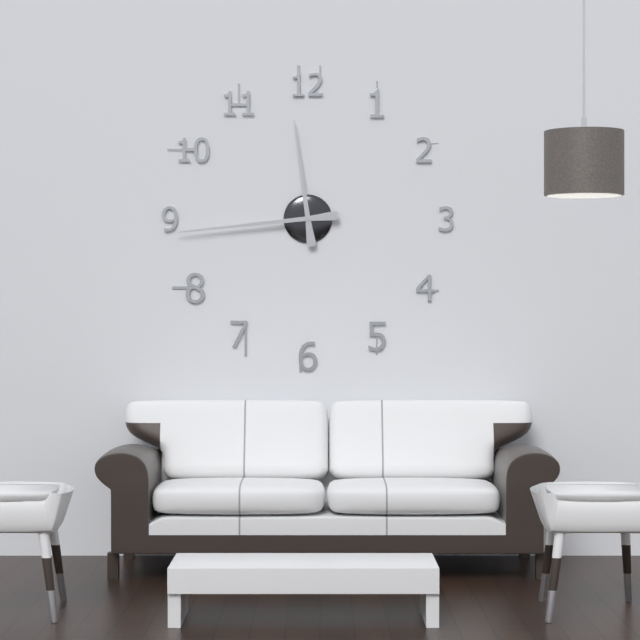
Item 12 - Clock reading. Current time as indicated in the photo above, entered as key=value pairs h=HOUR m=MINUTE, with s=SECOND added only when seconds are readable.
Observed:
h=11 m=44
